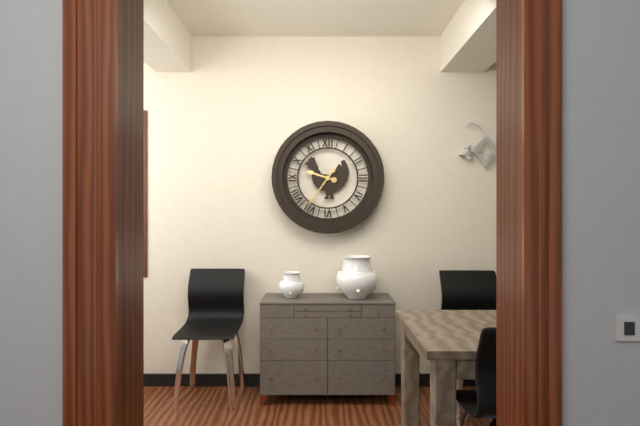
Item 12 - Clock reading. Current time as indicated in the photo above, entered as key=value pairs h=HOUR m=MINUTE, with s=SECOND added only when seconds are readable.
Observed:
h=9 m=36
